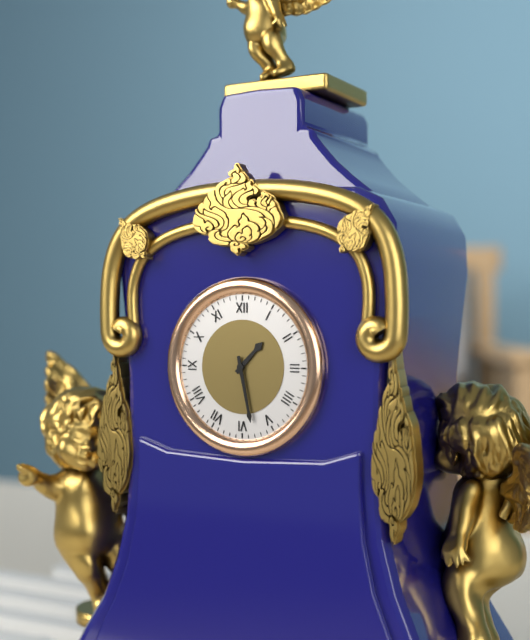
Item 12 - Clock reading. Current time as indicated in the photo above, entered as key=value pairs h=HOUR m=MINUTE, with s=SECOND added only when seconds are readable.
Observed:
h=1 m=28
